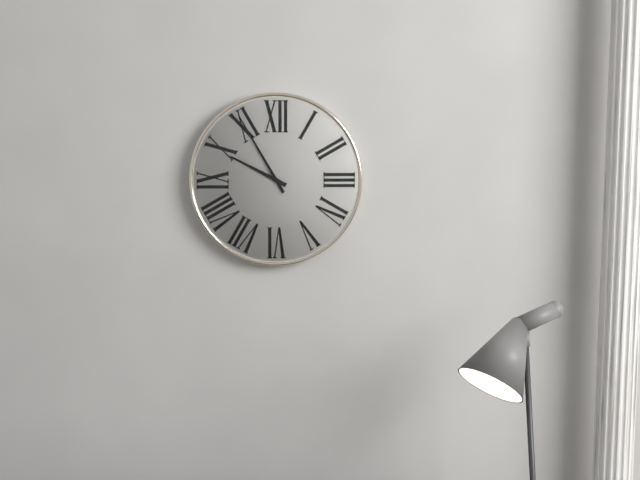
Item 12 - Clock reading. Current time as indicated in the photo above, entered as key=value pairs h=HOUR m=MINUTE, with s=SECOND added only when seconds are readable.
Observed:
h=9 m=55
